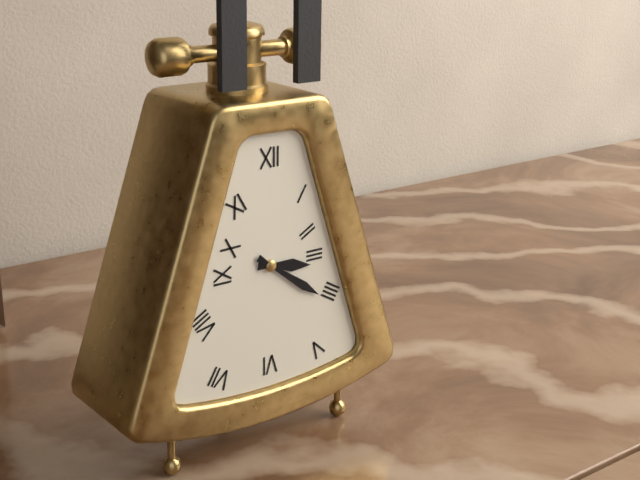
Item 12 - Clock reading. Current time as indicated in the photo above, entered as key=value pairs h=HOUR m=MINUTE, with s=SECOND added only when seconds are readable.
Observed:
h=3 m=21
